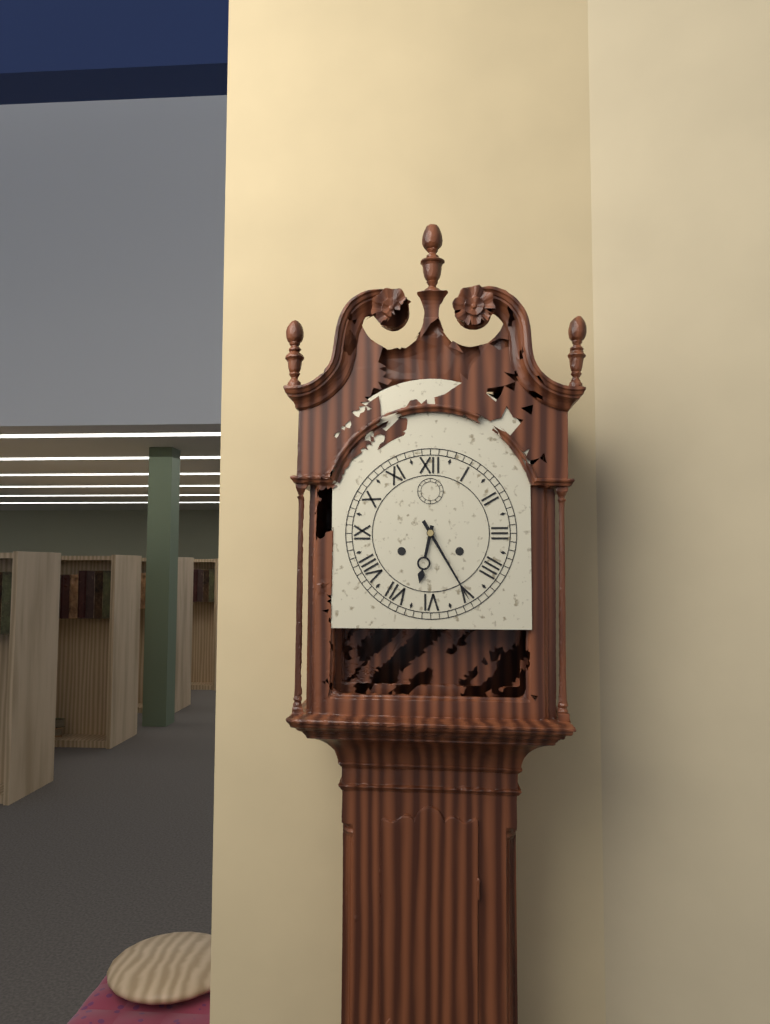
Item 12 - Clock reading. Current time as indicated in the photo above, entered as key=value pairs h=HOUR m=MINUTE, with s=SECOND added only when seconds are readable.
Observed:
h=6 m=25
